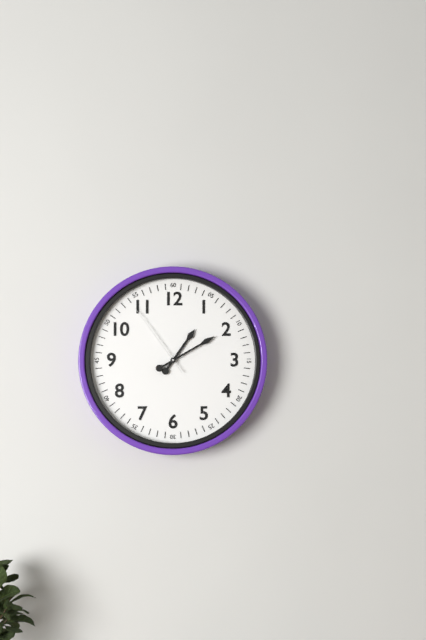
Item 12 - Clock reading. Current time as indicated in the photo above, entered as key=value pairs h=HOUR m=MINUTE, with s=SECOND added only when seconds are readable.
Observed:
h=1 m=10 s=54
